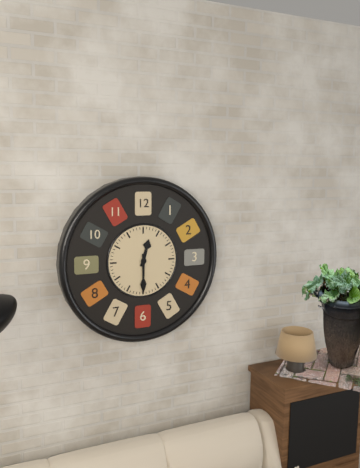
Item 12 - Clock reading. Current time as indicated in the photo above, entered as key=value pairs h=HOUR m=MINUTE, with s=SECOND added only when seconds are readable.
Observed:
h=12 m=30
